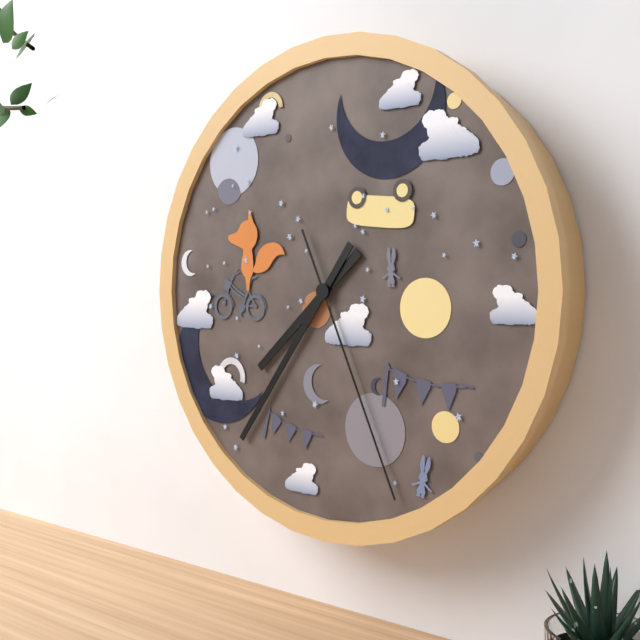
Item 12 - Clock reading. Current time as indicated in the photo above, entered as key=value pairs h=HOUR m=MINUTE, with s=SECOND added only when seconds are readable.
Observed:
h=7 m=36 s=26
